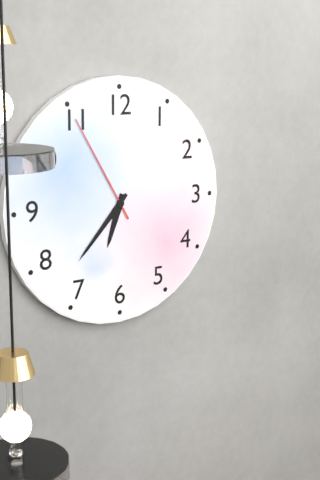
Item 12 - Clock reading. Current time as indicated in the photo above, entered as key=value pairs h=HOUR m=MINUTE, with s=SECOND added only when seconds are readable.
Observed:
h=6 m=37 s=55
